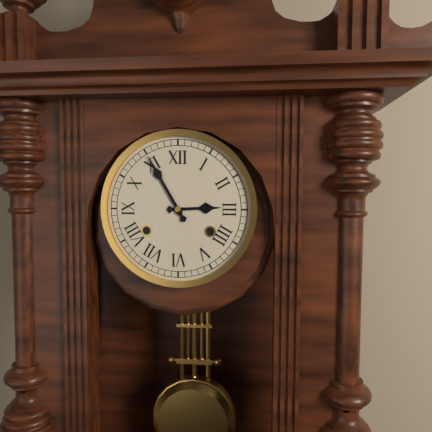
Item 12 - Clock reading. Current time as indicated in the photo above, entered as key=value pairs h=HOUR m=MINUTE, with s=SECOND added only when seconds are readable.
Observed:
h=2 m=55
